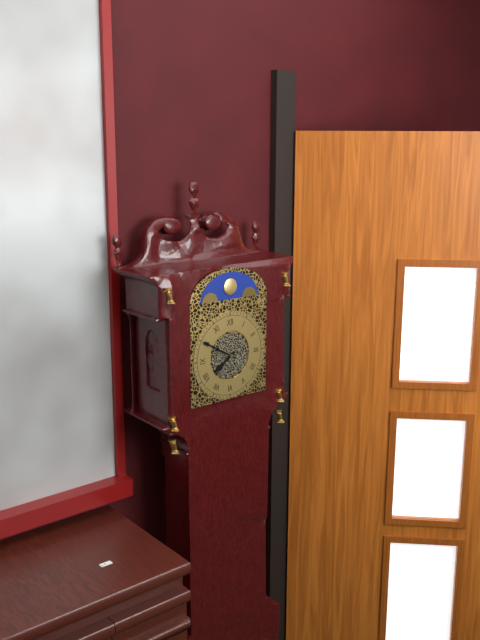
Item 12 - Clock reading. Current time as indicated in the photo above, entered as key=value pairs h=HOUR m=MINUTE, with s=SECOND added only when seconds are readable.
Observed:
h=7 m=50
